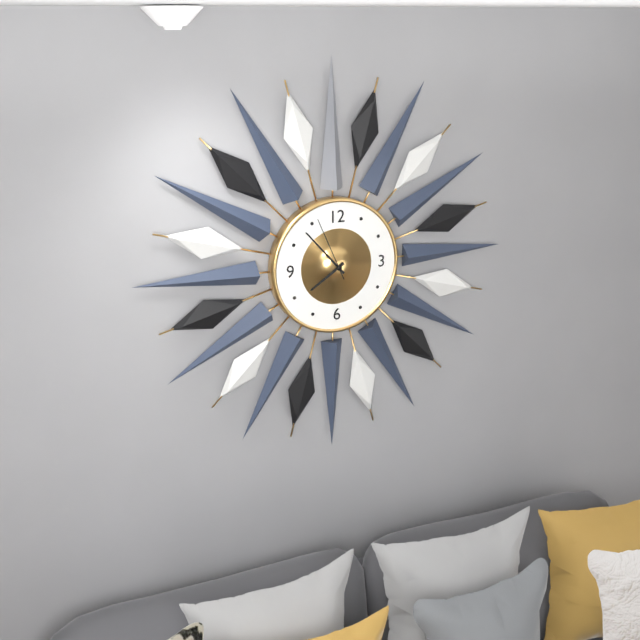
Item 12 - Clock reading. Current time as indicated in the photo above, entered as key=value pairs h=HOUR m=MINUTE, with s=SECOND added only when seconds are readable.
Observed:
h=7 m=53 s=56
